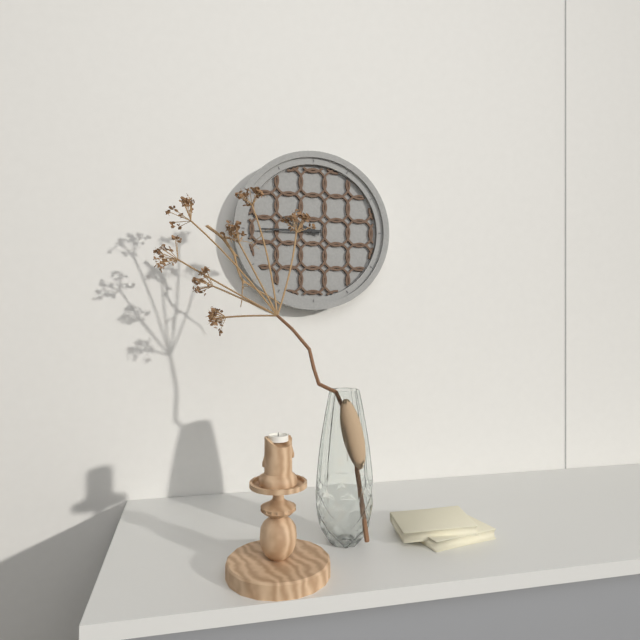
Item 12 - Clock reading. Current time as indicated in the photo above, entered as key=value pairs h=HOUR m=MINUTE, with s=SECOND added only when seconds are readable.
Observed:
h=9 m=45
